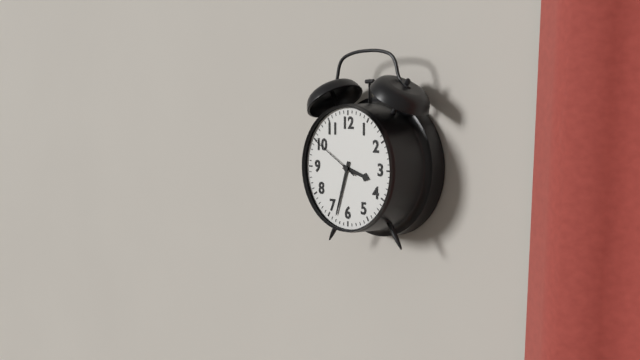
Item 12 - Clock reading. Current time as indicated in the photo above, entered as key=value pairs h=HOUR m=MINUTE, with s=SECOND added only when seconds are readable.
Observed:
h=3 m=33 s=50
